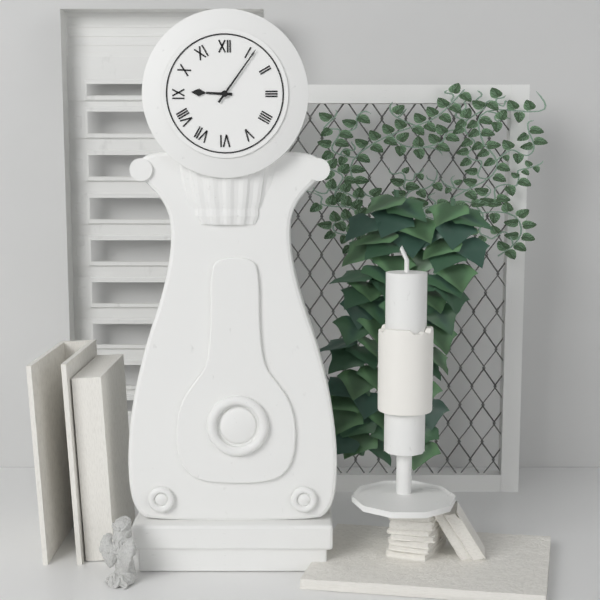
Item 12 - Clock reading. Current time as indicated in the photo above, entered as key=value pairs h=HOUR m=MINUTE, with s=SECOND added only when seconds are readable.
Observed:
h=9 m=6
